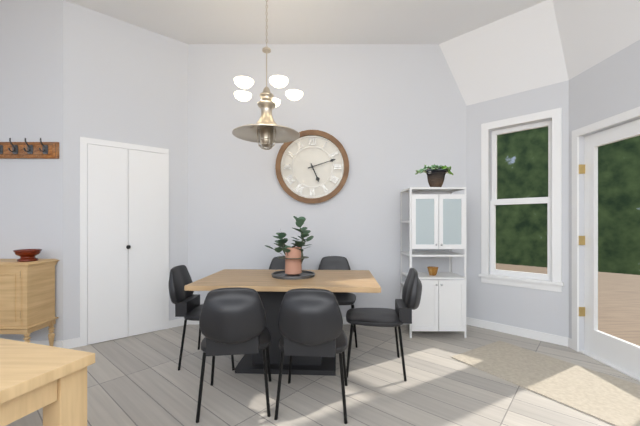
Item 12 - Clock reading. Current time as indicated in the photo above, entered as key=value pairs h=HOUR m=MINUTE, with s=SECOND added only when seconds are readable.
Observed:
h=5 m=12
